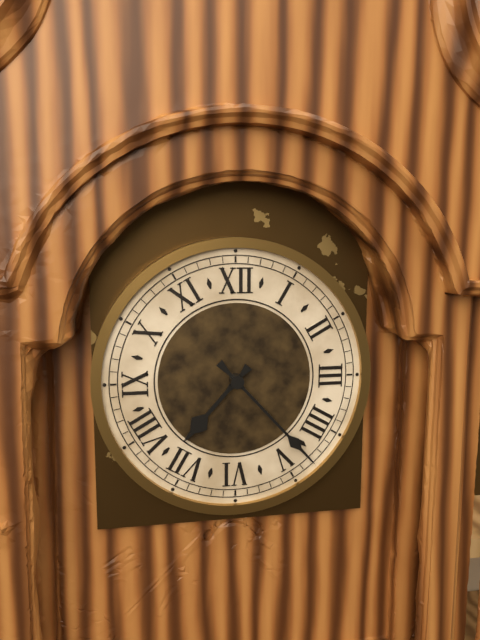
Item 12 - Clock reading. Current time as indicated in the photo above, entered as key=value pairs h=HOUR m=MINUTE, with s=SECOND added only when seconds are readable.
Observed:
h=7 m=23
